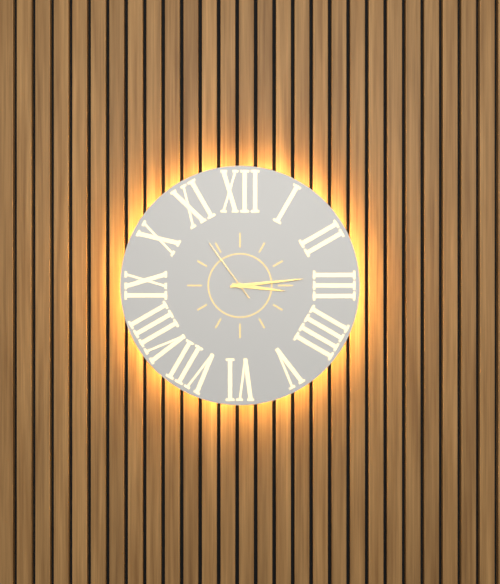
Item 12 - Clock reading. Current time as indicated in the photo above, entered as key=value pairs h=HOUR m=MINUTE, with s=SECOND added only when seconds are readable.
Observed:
h=3 m=14 s=54
